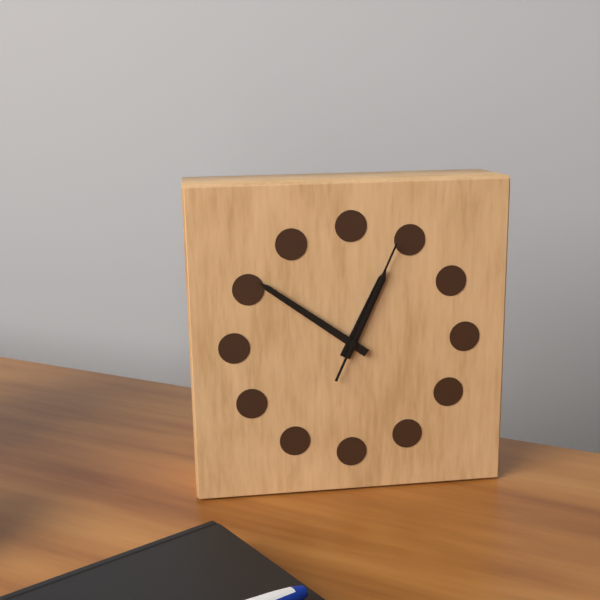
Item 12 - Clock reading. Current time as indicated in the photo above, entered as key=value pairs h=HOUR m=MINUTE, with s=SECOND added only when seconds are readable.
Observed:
h=12 m=51 s=4
